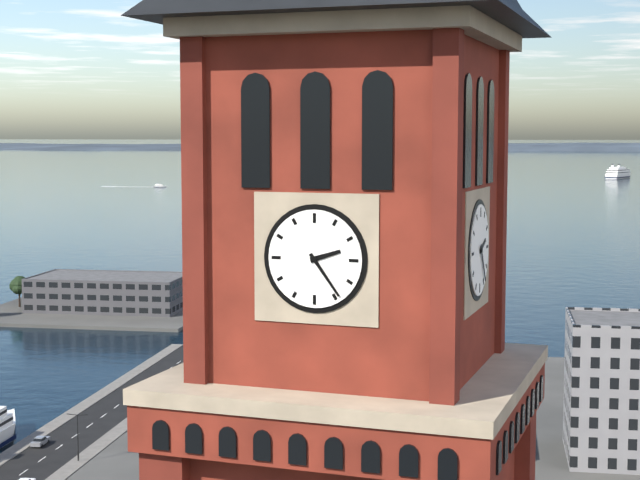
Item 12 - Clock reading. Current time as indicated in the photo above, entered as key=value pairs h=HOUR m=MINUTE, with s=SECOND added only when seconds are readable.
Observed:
h=2 m=24
